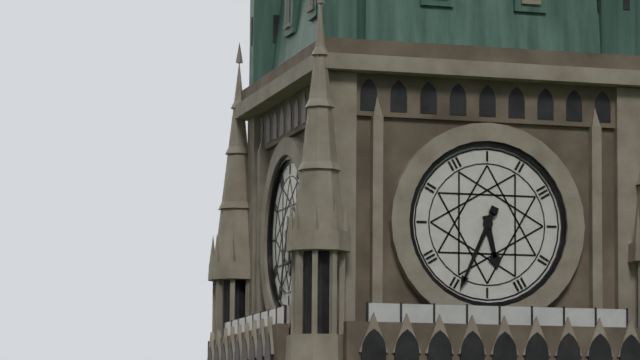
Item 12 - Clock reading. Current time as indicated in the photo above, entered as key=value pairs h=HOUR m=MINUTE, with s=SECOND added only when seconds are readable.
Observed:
h=5 m=34
